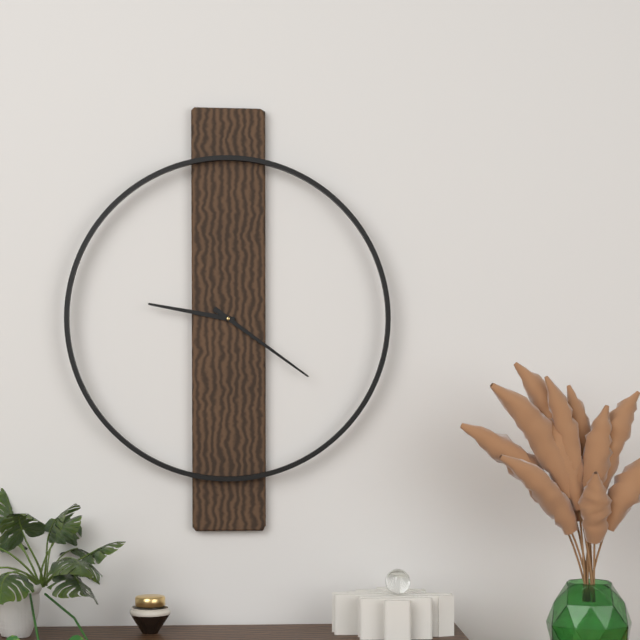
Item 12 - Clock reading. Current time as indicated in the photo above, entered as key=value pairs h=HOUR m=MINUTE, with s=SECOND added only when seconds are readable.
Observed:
h=9 m=21
